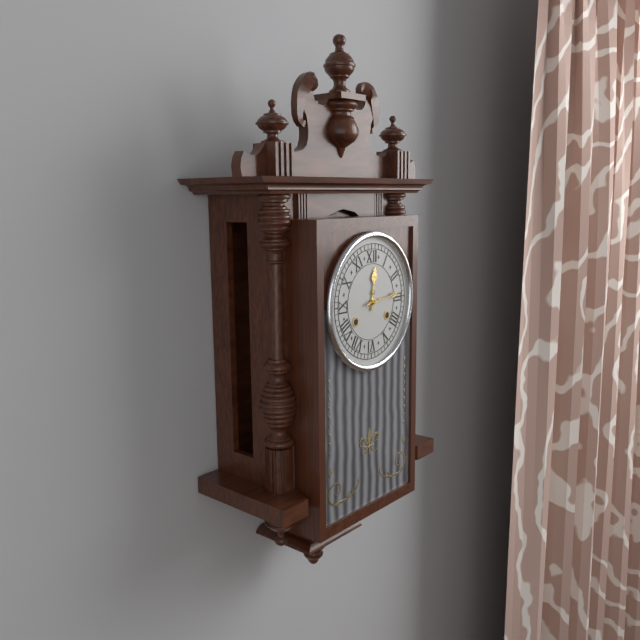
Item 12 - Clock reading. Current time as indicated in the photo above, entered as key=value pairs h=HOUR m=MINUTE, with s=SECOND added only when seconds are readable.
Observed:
h=12 m=14
